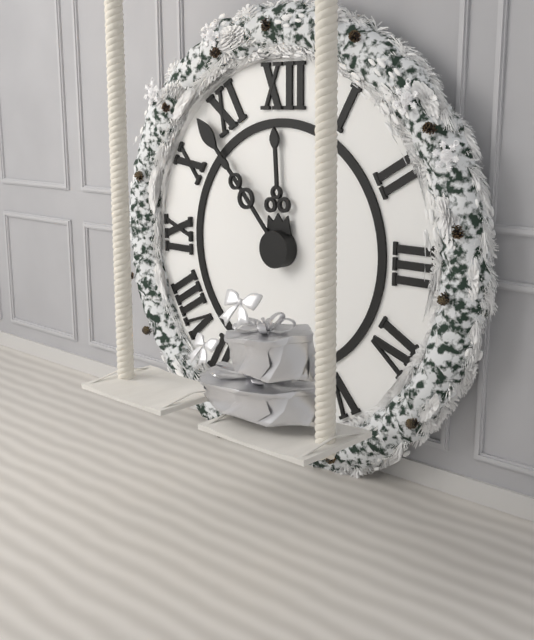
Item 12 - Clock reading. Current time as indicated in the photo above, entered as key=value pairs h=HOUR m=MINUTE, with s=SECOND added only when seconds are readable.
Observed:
h=11 m=53
